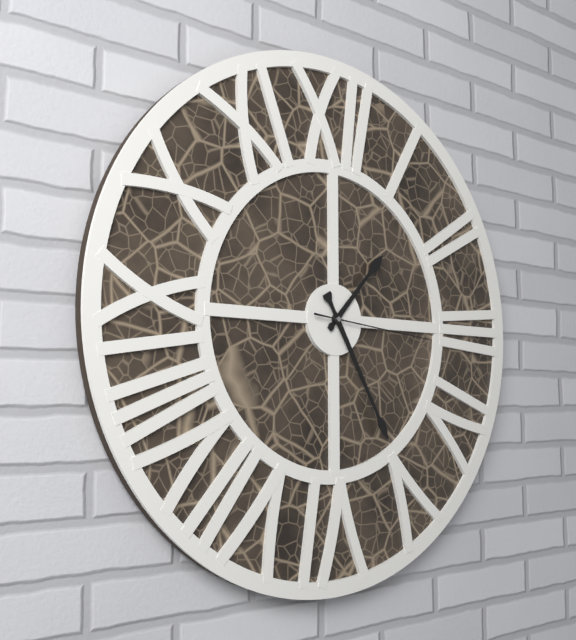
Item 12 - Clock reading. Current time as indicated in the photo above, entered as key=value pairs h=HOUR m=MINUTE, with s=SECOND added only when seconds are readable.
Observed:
h=1 m=25 s=16
